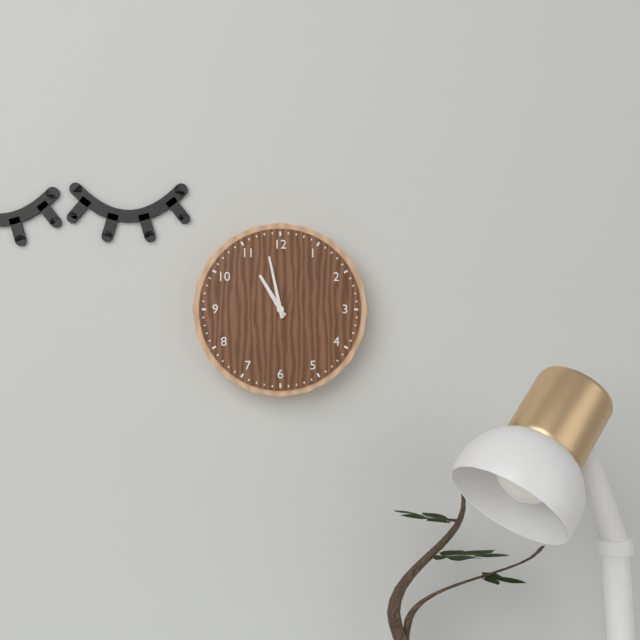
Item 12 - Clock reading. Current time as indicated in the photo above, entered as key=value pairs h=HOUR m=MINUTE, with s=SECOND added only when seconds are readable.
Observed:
h=10 m=58
